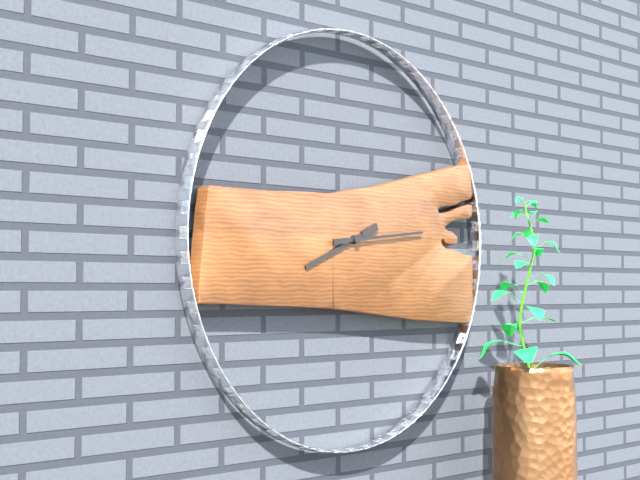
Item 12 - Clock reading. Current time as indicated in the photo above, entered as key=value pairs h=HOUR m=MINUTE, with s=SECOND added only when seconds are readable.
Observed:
h=8 m=14
